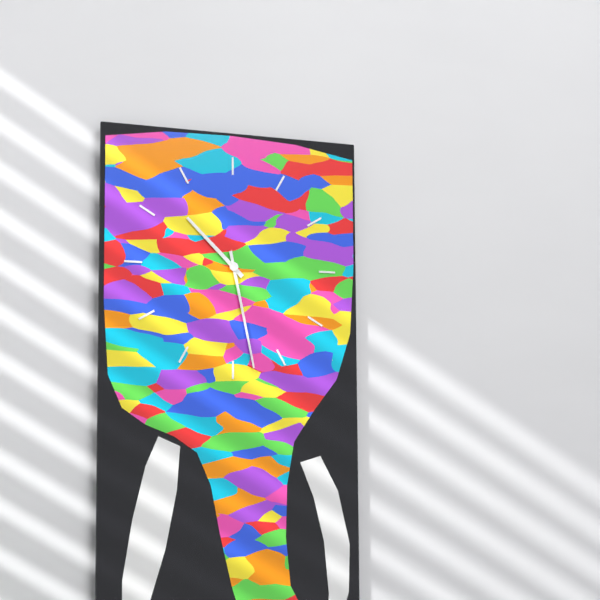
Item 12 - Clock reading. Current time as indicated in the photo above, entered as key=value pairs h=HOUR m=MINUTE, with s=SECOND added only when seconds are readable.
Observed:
h=10 m=28
